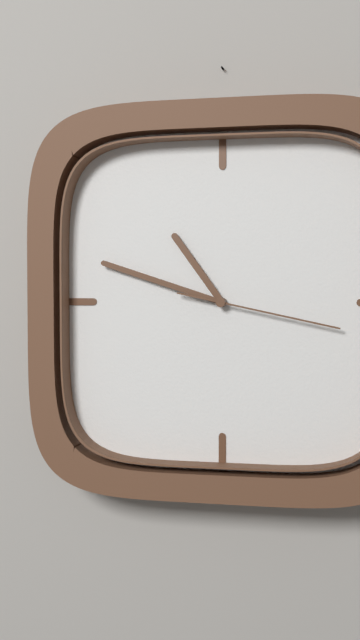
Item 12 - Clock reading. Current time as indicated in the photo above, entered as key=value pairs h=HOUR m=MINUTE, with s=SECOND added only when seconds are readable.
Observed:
h=10 m=48 s=17
